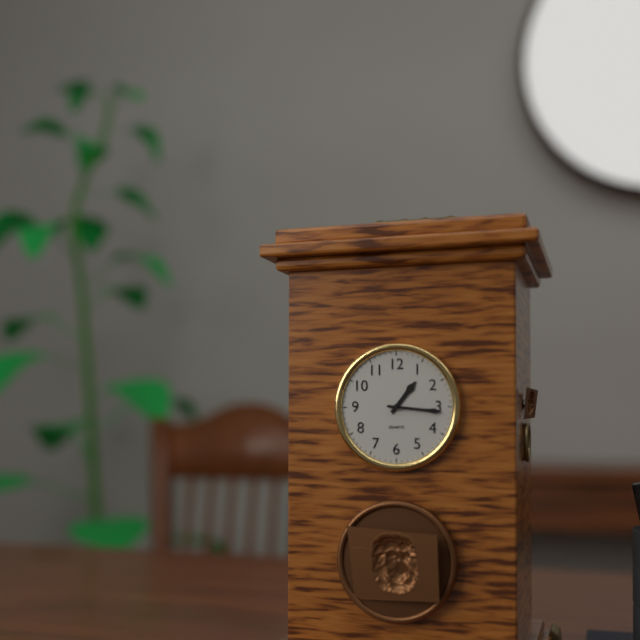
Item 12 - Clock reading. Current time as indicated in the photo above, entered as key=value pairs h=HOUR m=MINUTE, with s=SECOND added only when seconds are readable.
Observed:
h=1 m=16
